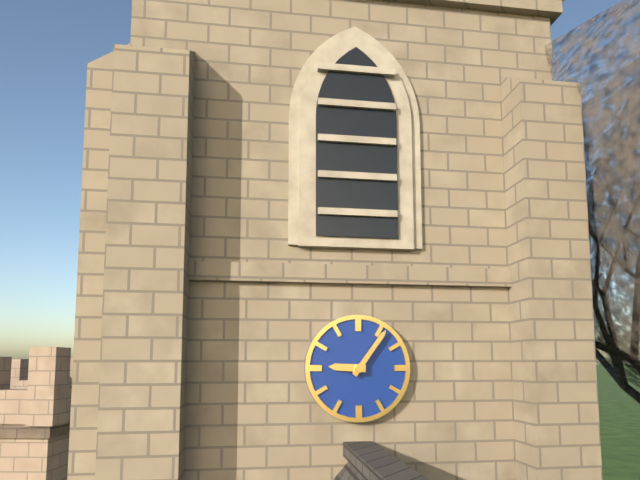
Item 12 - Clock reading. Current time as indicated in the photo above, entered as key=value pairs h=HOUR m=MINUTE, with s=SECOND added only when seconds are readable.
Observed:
h=9 m=6
